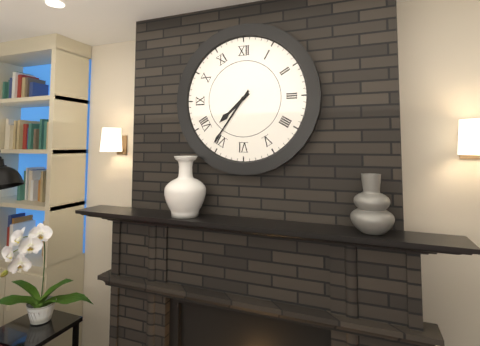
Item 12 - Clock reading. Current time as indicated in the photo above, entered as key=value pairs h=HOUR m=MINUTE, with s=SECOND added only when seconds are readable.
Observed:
h=7 m=36
